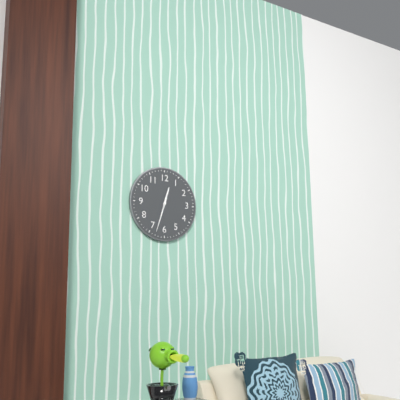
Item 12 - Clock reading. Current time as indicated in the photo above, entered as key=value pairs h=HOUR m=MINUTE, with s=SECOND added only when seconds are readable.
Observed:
h=12 m=33
